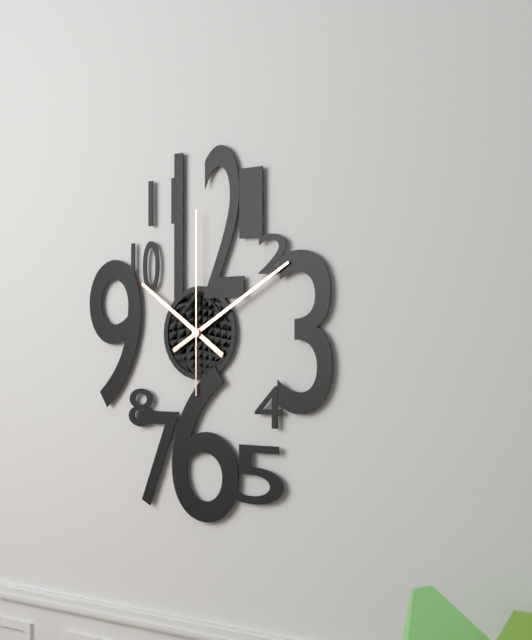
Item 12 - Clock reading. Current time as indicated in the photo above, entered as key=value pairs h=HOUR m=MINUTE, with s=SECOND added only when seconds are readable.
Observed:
h=10 m=10 s=0
